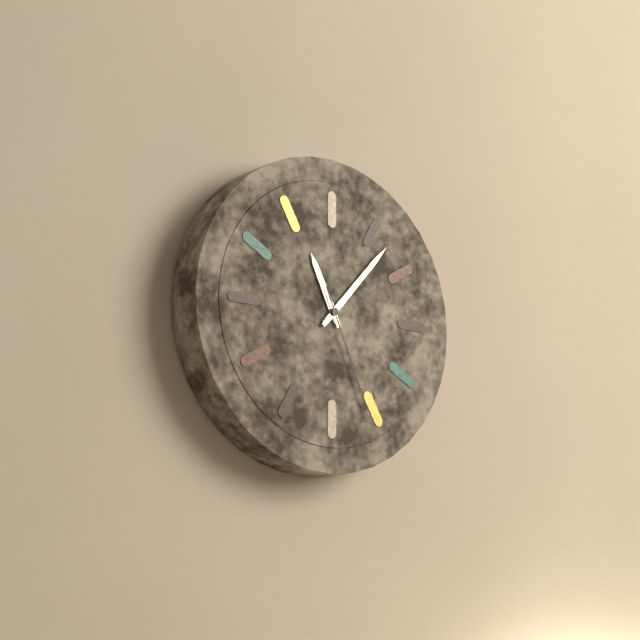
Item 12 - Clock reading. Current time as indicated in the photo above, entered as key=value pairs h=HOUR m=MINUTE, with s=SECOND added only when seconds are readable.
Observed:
h=11 m=7 s=26
